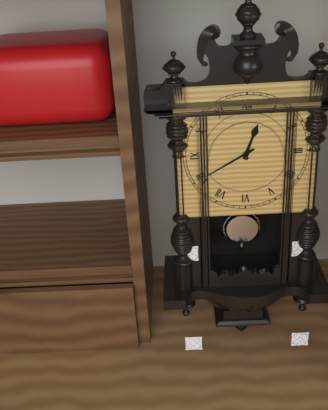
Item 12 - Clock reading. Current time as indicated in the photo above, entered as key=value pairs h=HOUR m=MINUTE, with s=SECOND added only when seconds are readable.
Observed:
h=12 m=40
